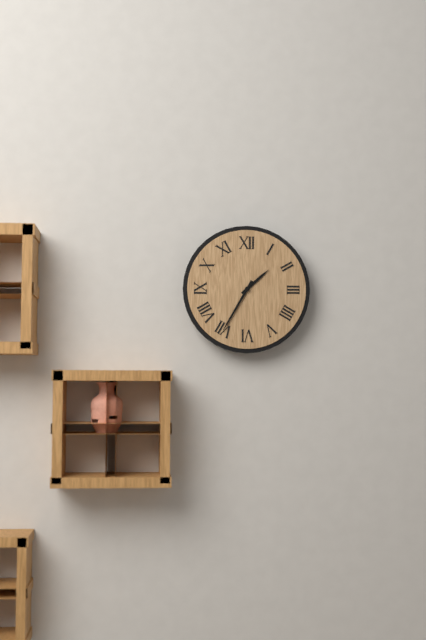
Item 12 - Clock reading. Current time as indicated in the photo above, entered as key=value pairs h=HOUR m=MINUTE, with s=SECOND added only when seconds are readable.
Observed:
h=1 m=35
